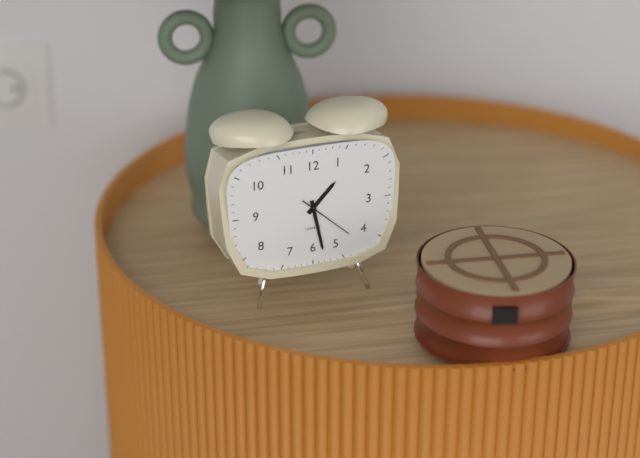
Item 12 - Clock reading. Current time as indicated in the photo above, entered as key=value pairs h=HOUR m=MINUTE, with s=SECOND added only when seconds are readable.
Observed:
h=1 m=28 s=22
